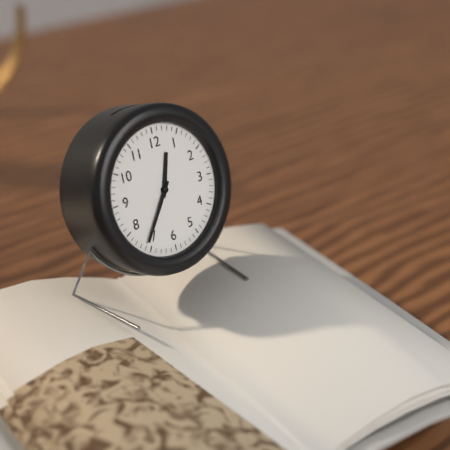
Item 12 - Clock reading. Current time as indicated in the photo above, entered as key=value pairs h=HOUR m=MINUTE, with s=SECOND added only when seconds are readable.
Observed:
h=12 m=36
